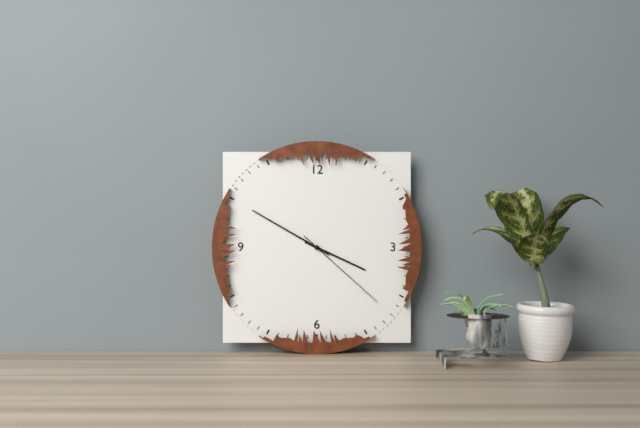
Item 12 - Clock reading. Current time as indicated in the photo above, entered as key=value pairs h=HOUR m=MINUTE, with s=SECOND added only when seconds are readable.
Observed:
h=3 m=50 s=22
